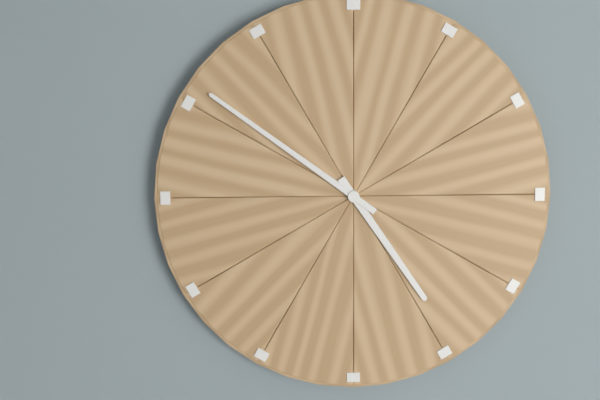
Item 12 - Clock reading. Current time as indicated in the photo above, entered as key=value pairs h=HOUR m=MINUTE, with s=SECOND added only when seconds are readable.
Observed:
h=4 m=51
